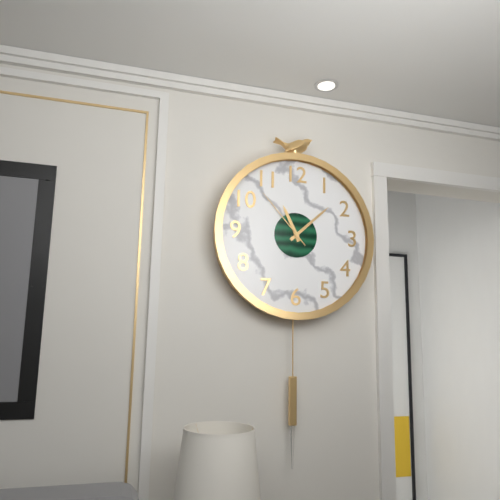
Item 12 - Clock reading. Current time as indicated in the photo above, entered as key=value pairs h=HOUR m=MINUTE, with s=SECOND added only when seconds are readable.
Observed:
h=11 m=8 s=53
